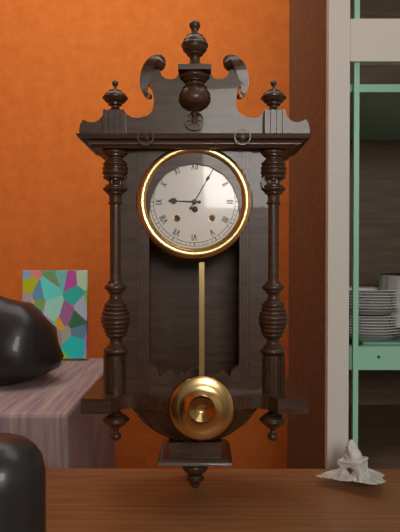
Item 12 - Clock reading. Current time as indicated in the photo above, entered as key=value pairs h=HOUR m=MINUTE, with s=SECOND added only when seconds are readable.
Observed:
h=9 m=5
